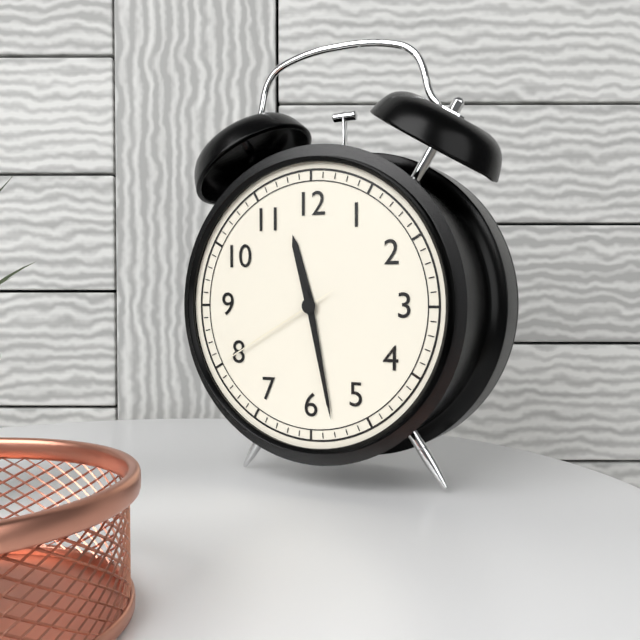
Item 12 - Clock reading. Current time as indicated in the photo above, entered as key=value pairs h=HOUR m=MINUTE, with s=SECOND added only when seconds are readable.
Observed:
h=11 m=28 s=40
